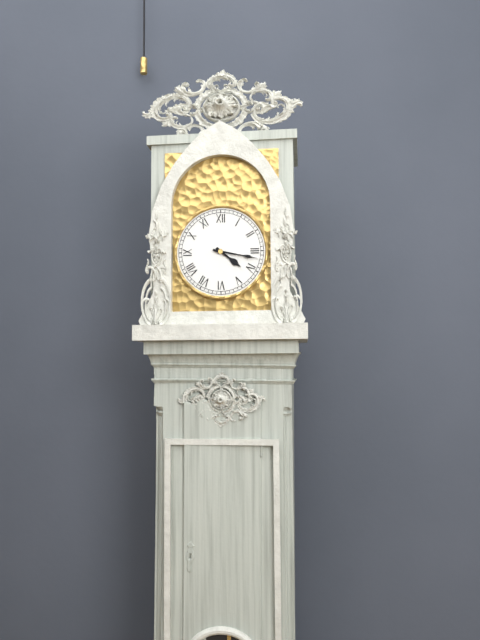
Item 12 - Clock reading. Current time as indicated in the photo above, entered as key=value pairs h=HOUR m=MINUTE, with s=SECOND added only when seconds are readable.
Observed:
h=4 m=17
